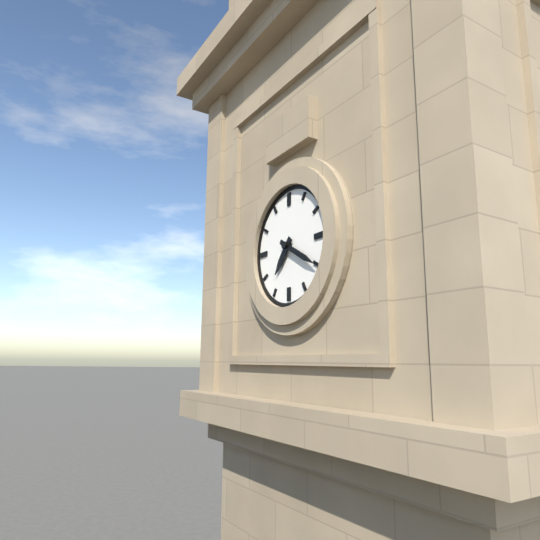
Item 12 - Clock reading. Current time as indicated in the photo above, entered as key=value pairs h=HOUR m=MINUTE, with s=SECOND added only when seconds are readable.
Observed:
h=7 m=20
